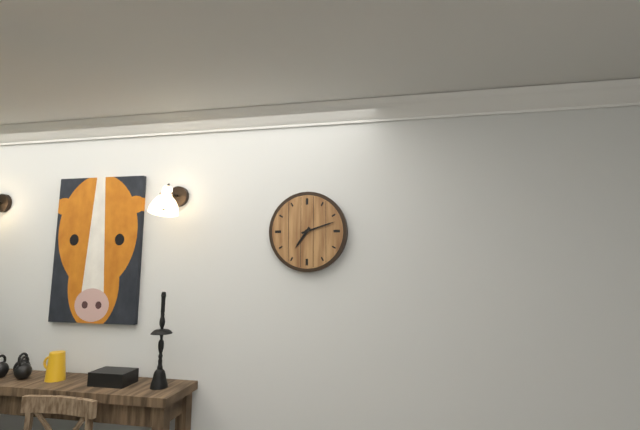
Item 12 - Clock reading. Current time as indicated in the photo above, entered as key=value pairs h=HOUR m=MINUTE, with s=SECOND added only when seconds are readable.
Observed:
h=7 m=12
